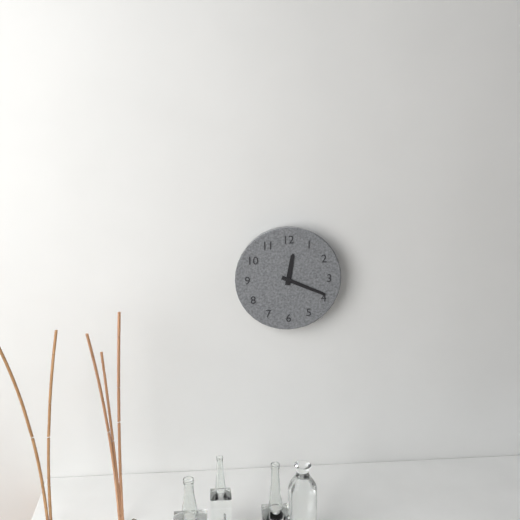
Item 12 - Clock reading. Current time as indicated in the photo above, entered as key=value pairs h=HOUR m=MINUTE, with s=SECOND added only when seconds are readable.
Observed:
h=12 m=19
